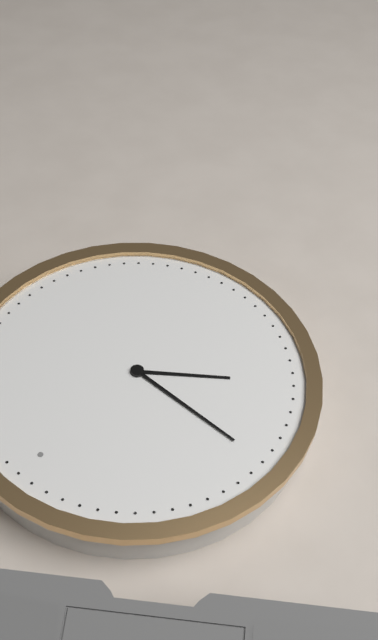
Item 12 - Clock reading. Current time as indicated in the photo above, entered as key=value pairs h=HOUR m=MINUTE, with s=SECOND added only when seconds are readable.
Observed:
h=7 m=45
